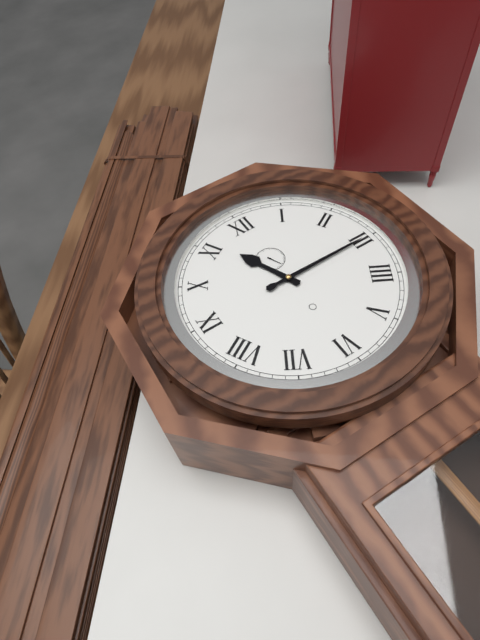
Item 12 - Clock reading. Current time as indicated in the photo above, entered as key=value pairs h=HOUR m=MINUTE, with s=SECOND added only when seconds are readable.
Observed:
h=11 m=15
